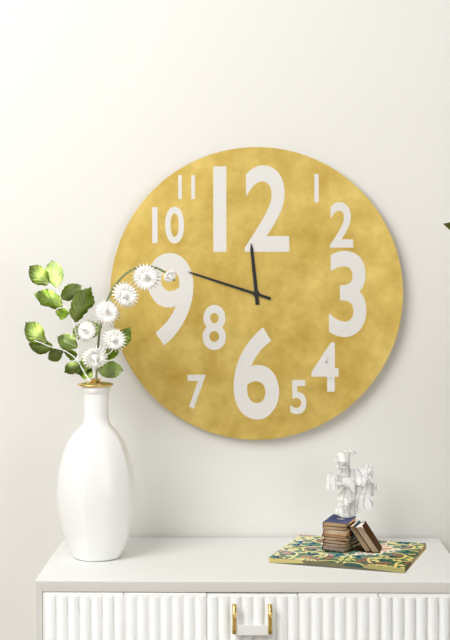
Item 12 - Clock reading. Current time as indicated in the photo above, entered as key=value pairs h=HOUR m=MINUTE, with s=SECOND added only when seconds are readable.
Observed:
h=11 m=48
